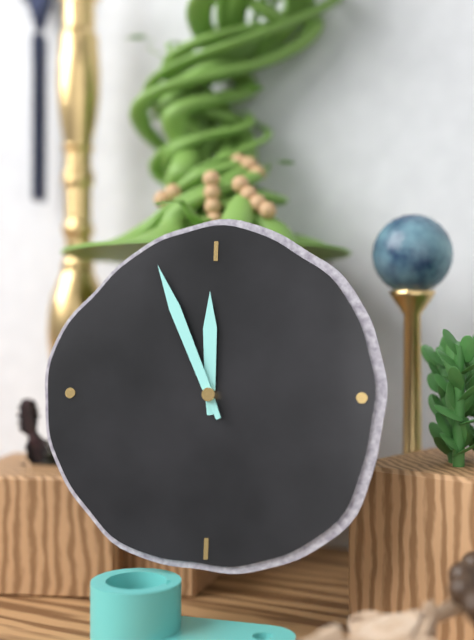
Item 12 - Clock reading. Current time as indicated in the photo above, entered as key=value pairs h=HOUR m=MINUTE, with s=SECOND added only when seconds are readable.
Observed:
h=11 m=56
